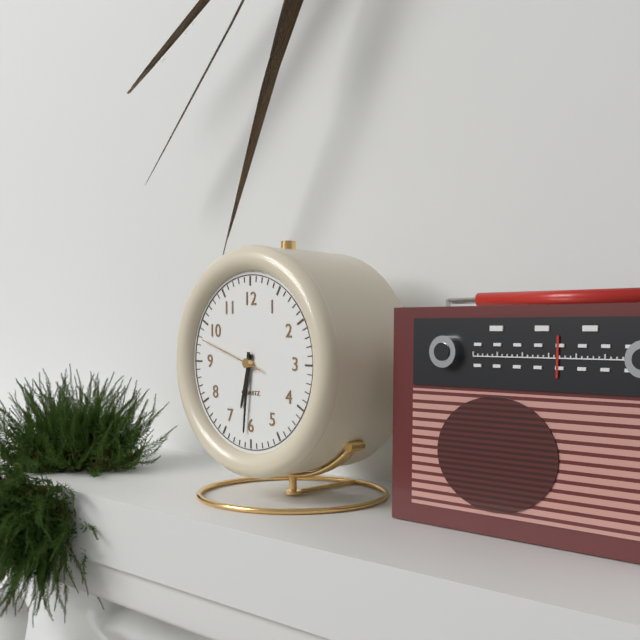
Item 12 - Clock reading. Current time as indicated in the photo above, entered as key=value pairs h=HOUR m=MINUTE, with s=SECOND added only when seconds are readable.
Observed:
h=6 m=31 s=48
